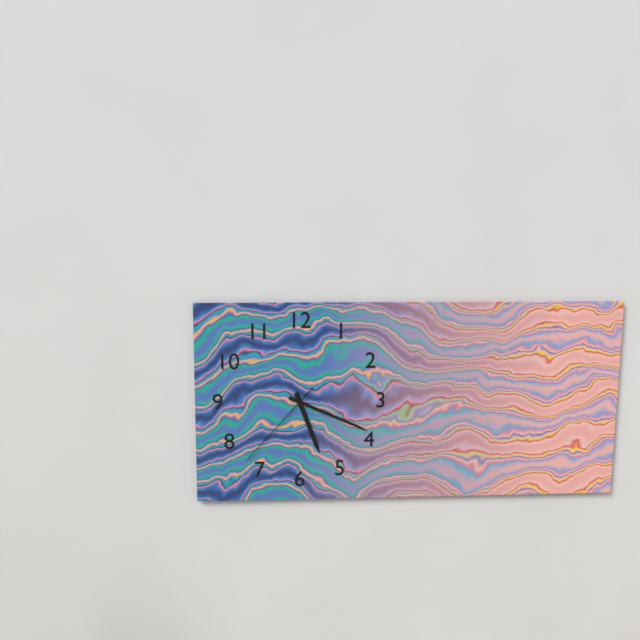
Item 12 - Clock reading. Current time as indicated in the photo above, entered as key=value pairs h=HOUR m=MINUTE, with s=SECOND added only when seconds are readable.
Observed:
h=5 m=19 s=37
